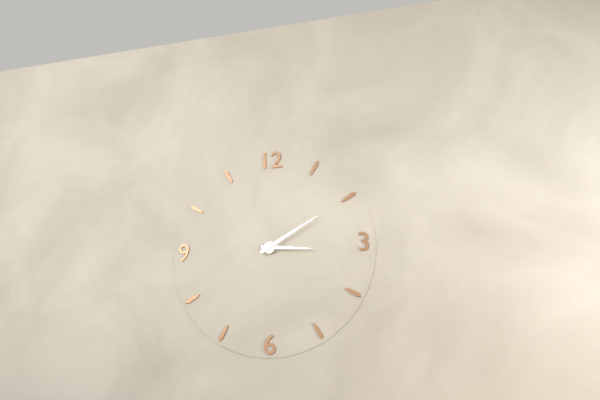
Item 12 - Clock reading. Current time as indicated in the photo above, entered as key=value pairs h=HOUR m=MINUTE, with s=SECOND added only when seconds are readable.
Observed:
h=3 m=10
